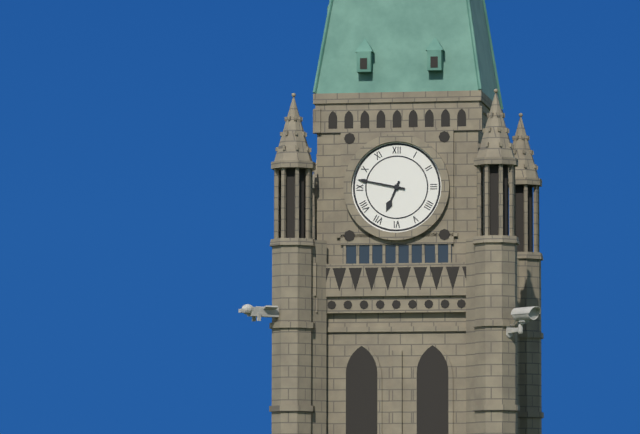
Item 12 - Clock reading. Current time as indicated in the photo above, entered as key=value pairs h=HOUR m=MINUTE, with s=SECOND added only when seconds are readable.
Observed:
h=6 m=47
